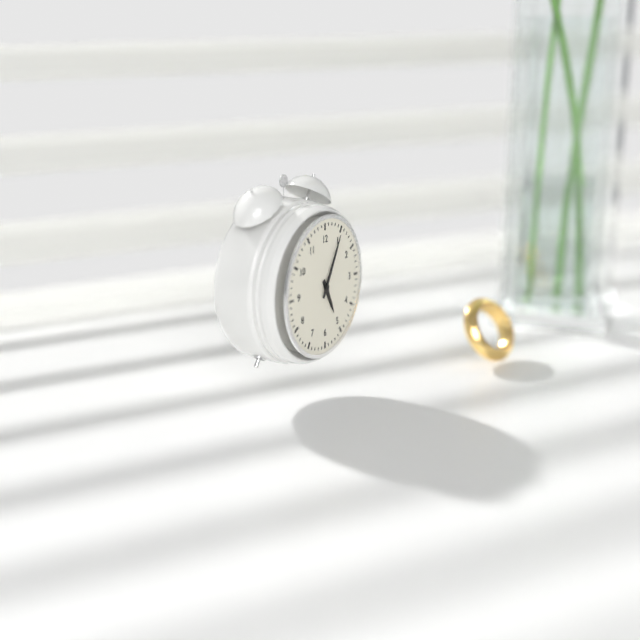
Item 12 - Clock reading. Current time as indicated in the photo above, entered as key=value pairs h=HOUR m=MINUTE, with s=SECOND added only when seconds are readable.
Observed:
h=5 m=5
